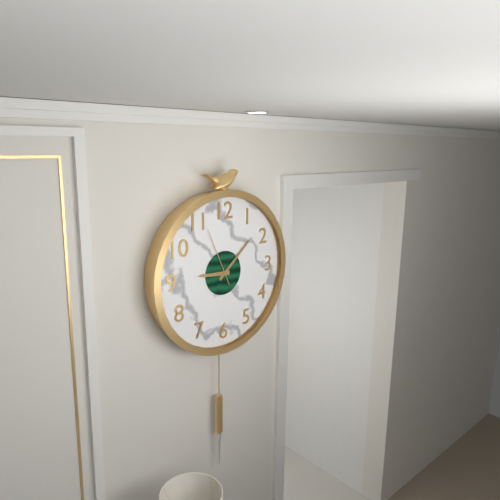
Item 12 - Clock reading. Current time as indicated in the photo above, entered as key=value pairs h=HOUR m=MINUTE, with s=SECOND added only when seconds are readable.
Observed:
h=9 m=8 s=56
